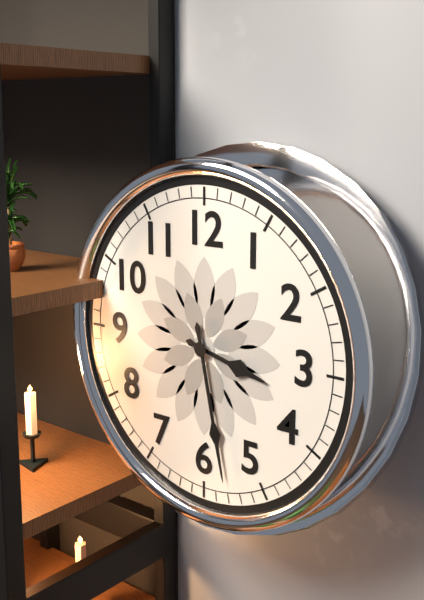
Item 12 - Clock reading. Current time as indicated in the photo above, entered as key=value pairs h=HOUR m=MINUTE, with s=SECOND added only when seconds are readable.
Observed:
h=3 m=28
